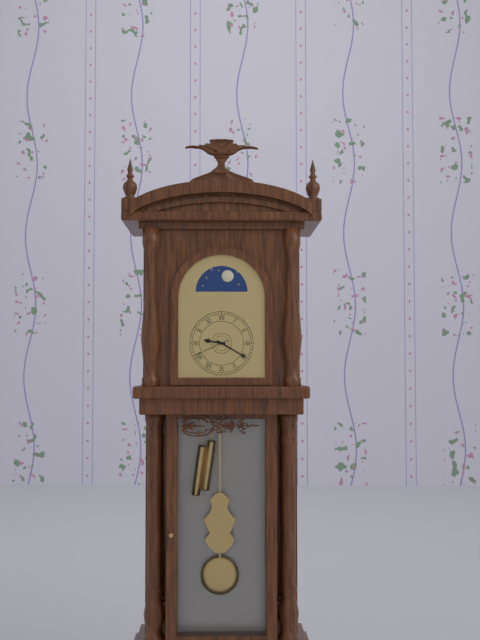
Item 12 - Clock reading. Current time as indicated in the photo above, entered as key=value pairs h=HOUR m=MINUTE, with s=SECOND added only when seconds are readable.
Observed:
h=9 m=20
